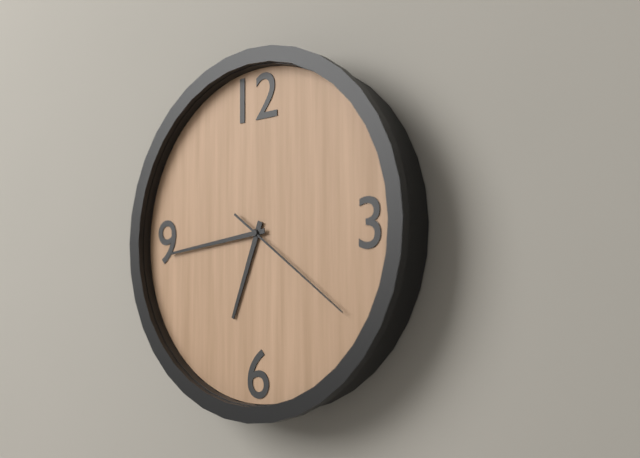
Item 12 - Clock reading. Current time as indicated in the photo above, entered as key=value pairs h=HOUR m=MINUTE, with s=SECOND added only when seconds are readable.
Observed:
h=6 m=44 s=21
